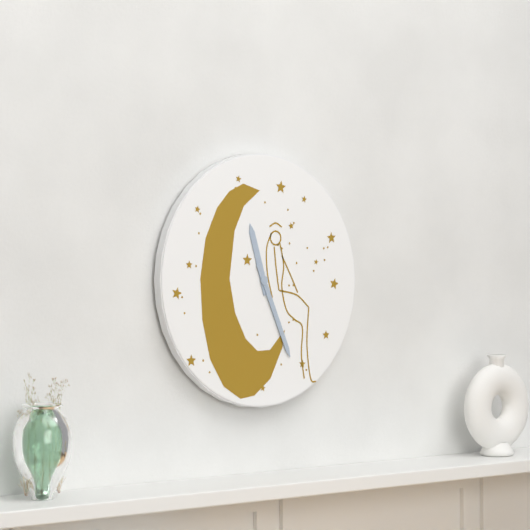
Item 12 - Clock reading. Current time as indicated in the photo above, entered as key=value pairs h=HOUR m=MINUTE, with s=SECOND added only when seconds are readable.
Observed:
h=11 m=26
